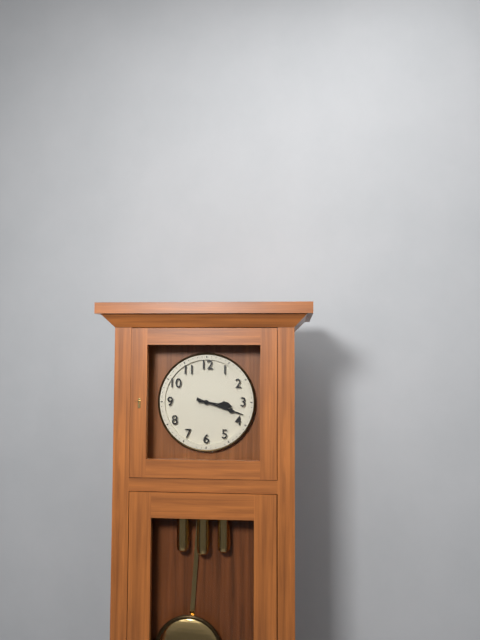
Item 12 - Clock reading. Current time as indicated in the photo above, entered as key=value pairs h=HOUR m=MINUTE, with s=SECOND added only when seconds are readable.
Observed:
h=3 m=18
